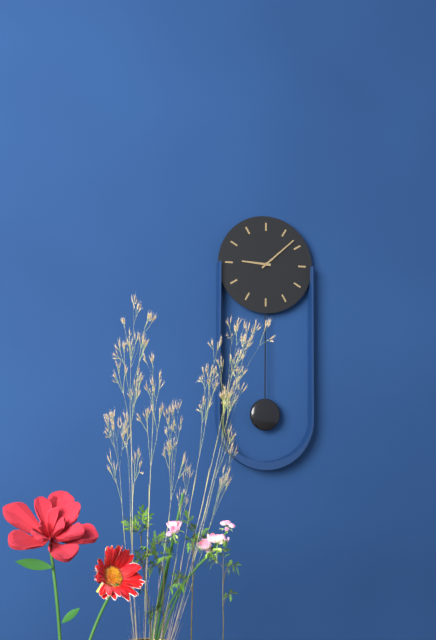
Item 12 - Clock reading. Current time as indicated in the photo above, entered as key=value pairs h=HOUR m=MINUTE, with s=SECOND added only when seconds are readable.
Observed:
h=9 m=8
